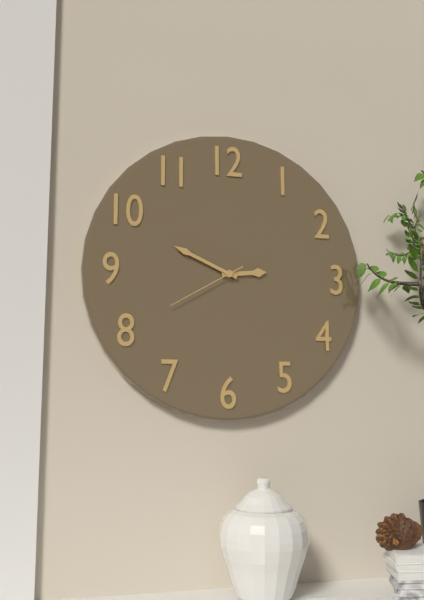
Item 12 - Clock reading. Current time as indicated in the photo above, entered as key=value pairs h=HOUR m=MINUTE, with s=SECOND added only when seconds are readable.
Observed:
h=2 m=49 s=40
